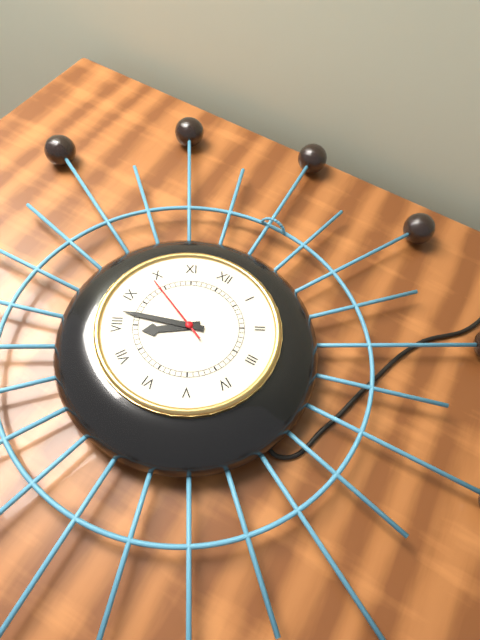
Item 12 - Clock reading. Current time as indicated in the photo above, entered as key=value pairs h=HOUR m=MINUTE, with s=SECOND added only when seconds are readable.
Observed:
h=7 m=42 s=49
